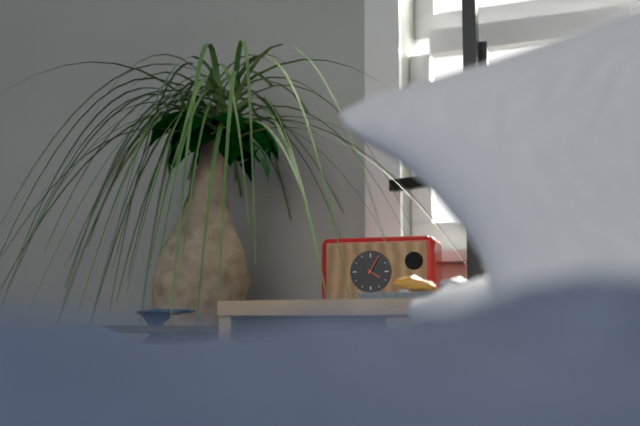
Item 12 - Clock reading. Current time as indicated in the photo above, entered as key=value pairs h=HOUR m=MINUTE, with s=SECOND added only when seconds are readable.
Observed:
h=4 m=5
